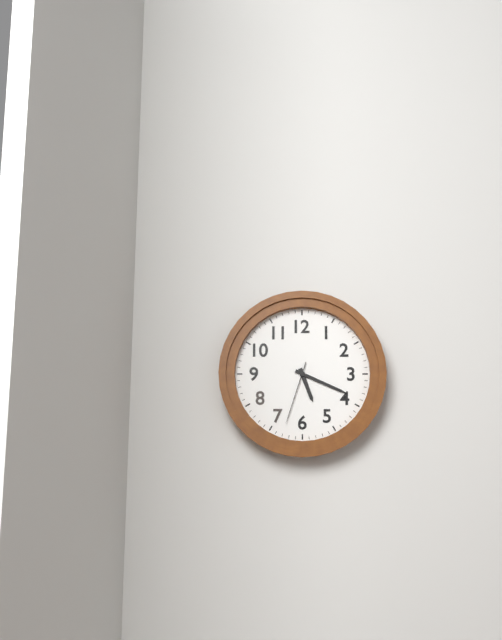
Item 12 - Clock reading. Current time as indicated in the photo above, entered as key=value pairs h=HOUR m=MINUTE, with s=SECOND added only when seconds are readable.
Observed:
h=5 m=19 s=33
